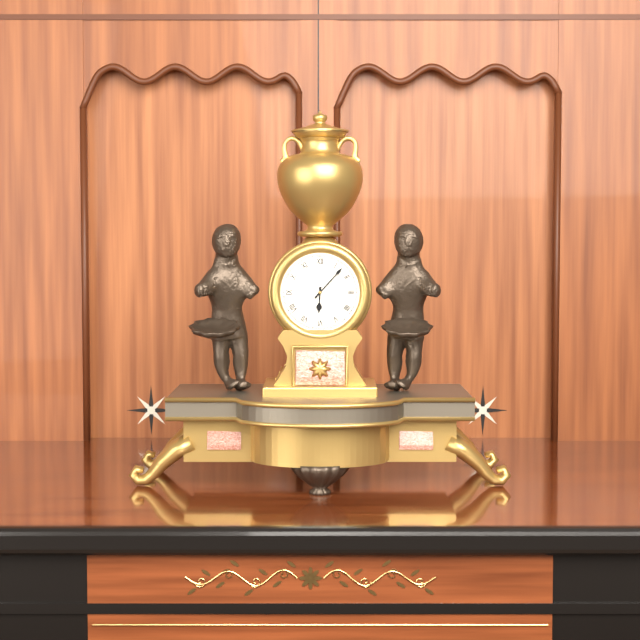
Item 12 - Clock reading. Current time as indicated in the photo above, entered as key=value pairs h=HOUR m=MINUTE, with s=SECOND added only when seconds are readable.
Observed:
h=6 m=7
